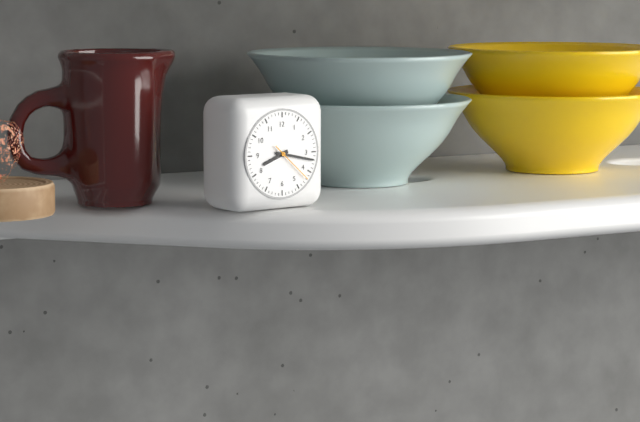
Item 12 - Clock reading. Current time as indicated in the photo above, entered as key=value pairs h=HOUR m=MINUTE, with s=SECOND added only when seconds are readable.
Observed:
h=8 m=17
